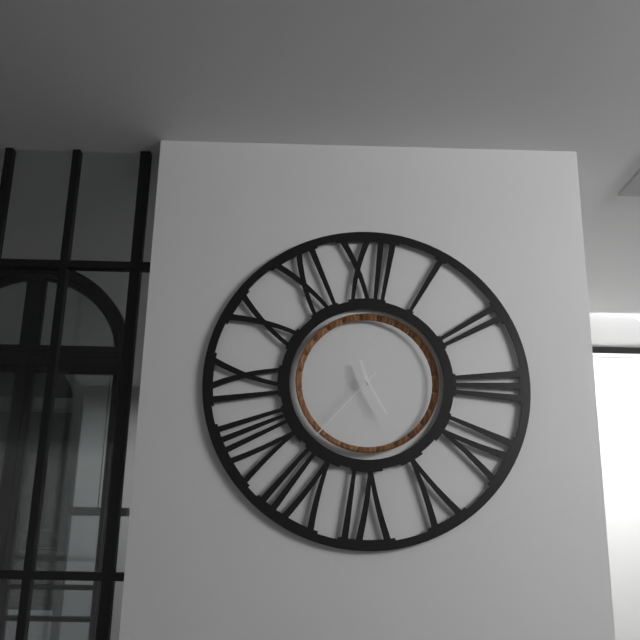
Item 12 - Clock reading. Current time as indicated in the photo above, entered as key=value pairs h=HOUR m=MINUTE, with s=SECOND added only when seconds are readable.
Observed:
h=11 m=25 s=37
